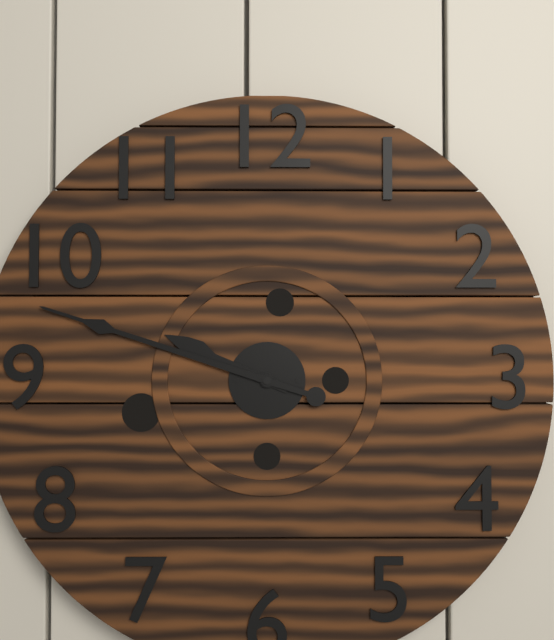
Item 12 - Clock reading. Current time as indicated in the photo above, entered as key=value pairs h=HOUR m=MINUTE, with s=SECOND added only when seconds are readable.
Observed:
h=9 m=48
